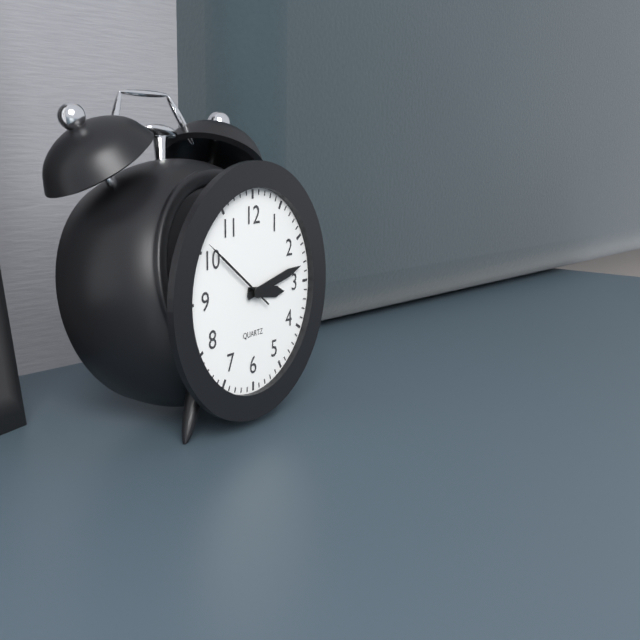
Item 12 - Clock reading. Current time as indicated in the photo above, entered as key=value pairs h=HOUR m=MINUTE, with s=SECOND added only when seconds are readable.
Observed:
h=3 m=13 s=51
